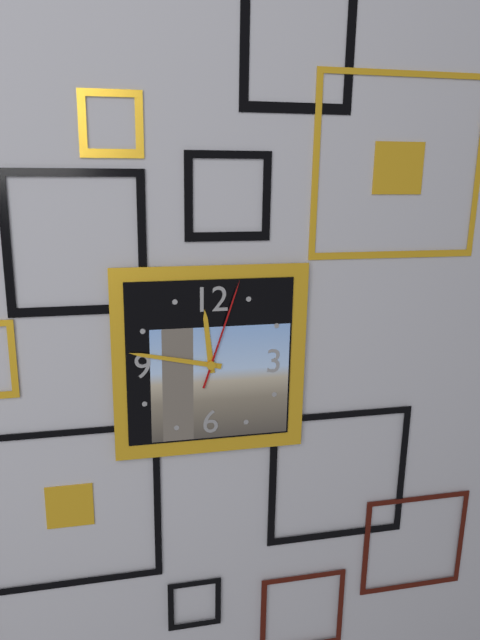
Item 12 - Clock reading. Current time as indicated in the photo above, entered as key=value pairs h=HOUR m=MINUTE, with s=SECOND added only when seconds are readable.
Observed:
h=11 m=47 s=3
